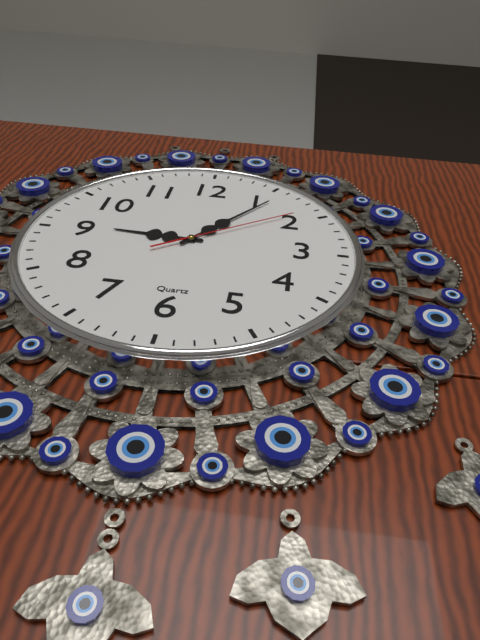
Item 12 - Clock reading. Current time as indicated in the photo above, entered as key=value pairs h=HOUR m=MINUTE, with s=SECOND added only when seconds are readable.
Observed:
h=9 m=6 s=9
